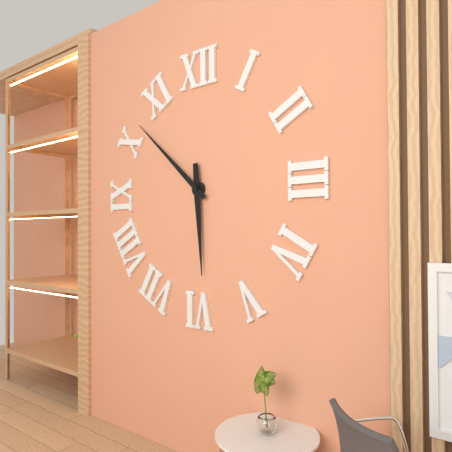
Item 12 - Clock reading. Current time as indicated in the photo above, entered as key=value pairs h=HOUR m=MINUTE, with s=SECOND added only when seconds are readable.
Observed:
h=5 m=52
